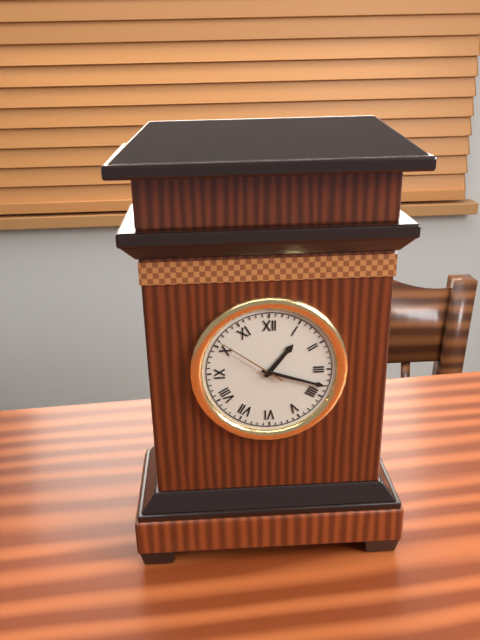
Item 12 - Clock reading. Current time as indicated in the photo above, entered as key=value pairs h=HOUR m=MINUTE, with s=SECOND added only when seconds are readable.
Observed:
h=1 m=18 s=51
